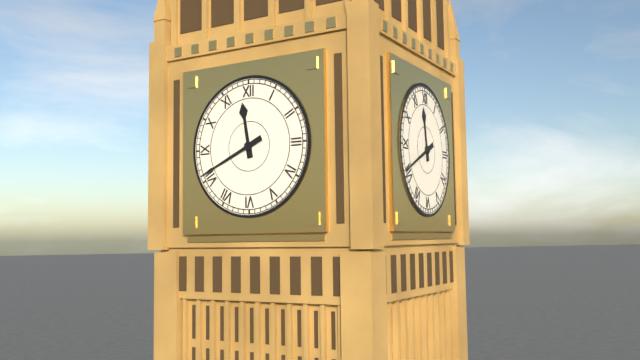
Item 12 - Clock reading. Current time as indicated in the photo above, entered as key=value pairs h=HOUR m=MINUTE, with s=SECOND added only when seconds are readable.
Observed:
h=11 m=41
